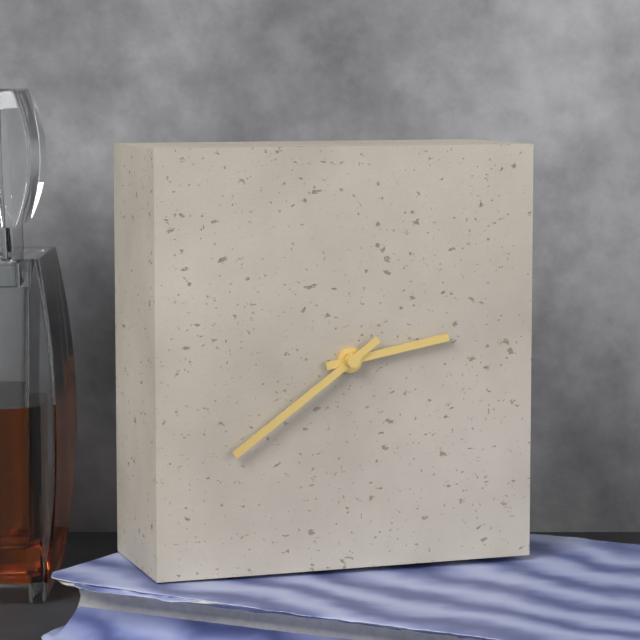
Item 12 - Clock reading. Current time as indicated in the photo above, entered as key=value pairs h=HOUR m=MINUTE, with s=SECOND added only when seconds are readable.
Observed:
h=2 m=39
